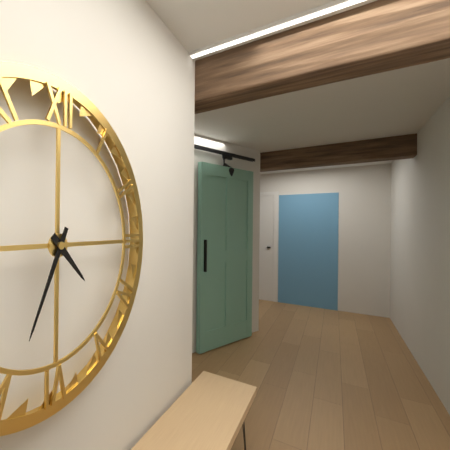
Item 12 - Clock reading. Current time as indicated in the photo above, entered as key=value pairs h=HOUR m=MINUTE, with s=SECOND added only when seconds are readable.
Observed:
h=4 m=34
